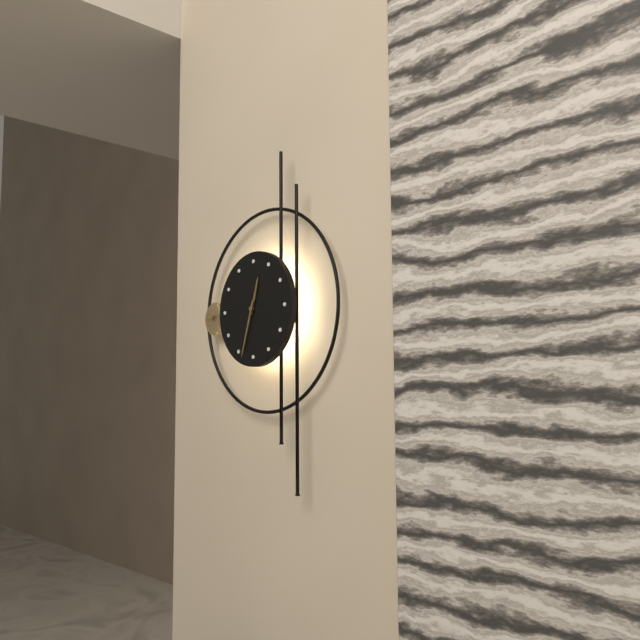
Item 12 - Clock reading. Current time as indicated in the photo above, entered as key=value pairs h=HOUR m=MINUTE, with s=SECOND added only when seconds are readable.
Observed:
h=12 m=33
